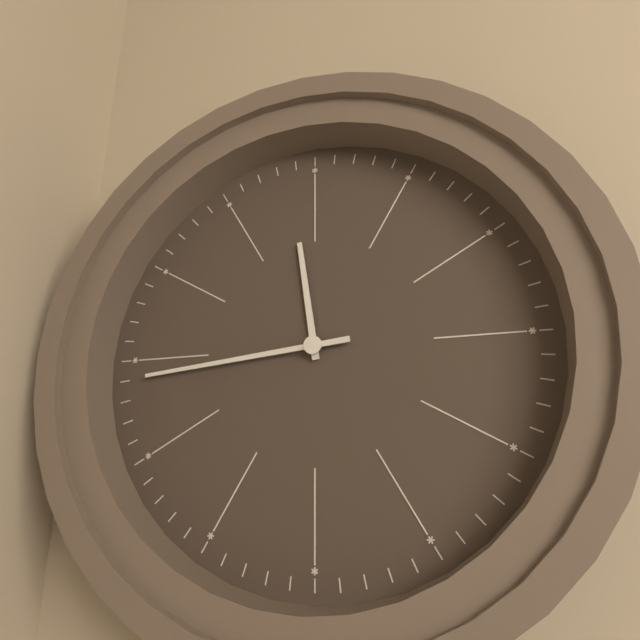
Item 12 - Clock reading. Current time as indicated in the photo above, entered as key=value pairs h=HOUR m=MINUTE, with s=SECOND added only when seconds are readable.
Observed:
h=11 m=44
